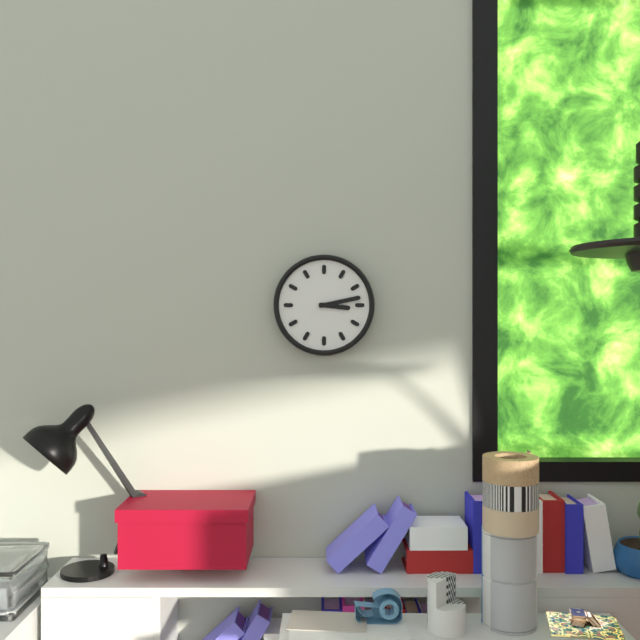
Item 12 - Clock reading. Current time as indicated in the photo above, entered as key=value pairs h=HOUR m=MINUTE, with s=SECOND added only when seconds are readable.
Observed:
h=3 m=13
